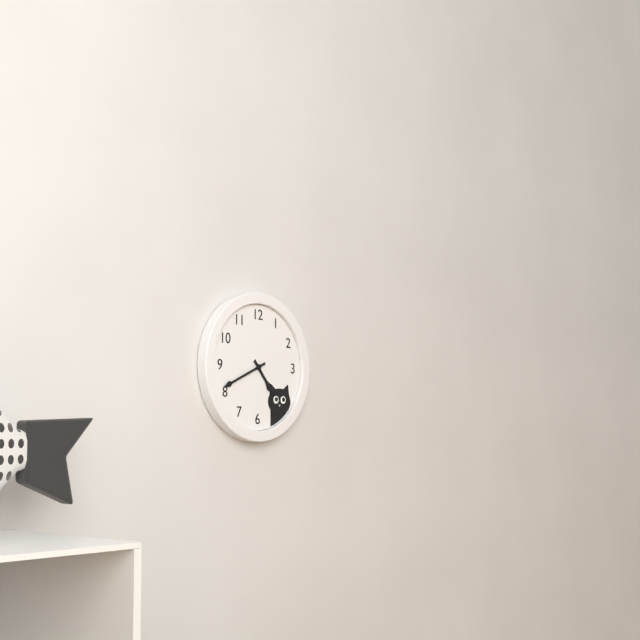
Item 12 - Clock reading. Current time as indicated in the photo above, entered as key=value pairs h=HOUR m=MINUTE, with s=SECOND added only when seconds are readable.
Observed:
h=4 m=41
